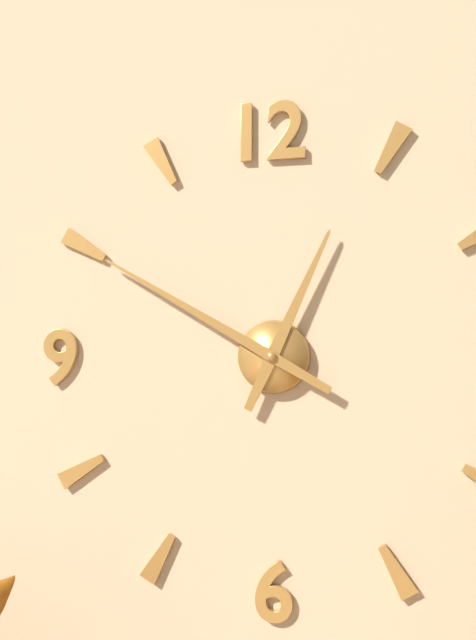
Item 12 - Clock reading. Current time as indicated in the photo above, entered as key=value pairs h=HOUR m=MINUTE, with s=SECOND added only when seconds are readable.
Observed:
h=12 m=50
